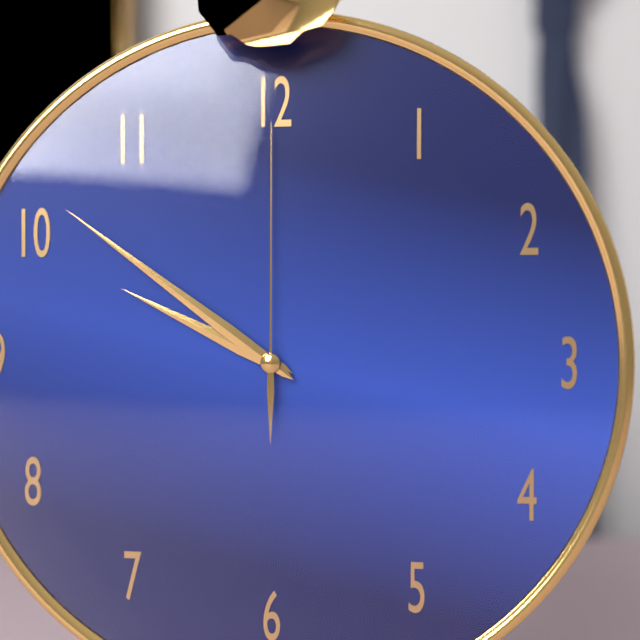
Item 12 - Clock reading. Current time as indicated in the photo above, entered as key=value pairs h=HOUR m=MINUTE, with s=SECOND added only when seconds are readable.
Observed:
h=9 m=51 s=0
